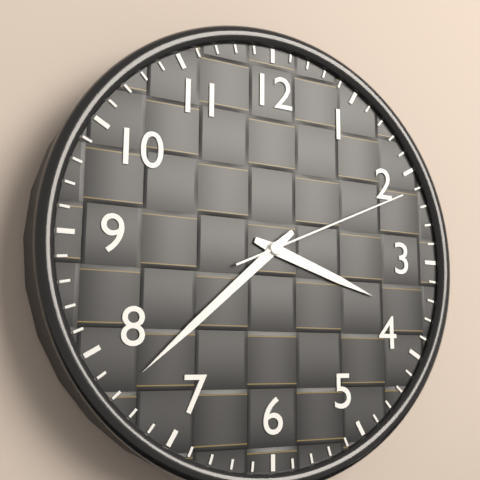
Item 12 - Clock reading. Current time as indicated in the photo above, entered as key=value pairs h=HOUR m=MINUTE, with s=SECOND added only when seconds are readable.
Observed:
h=3 m=38 s=11
